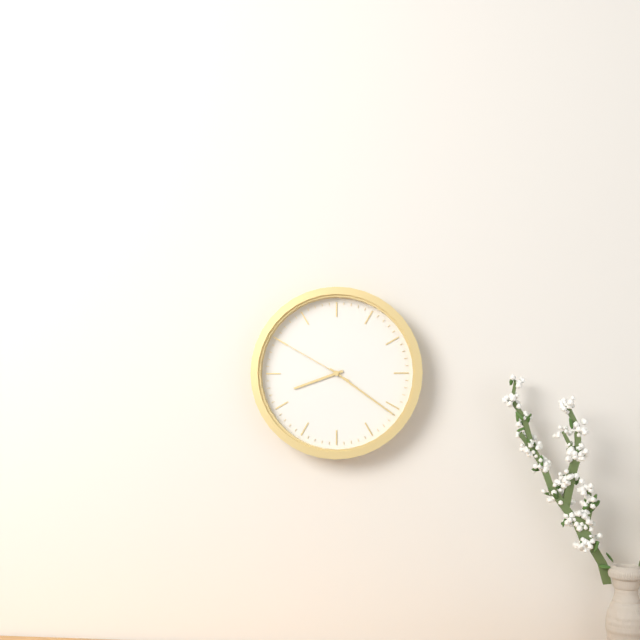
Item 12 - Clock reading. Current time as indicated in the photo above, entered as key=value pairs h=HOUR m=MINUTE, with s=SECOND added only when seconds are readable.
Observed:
h=8 m=21 s=50
